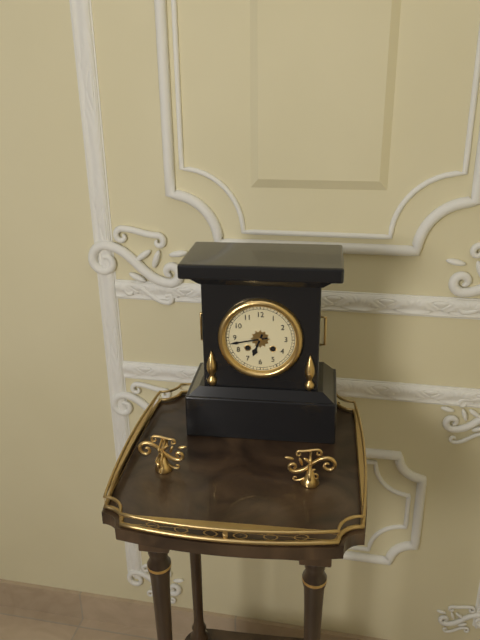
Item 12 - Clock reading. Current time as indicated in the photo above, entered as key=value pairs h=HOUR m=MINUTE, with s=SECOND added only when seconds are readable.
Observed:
h=6 m=43
